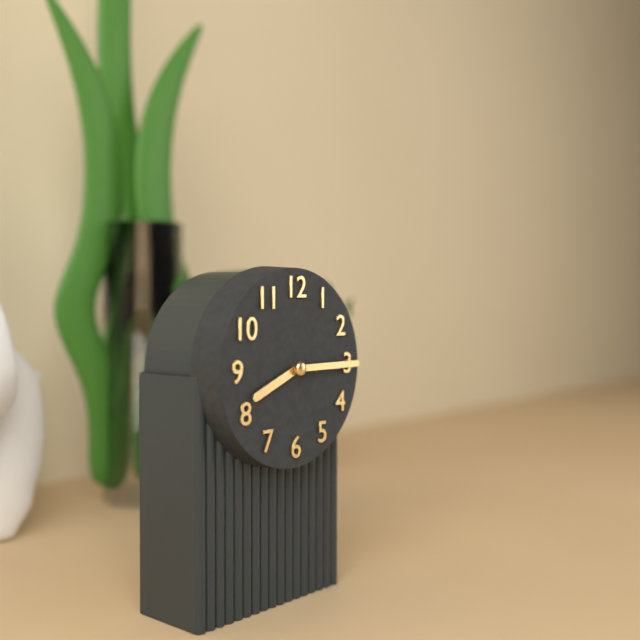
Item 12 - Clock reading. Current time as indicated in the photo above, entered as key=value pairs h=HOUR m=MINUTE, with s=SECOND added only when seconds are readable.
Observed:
h=8 m=15
